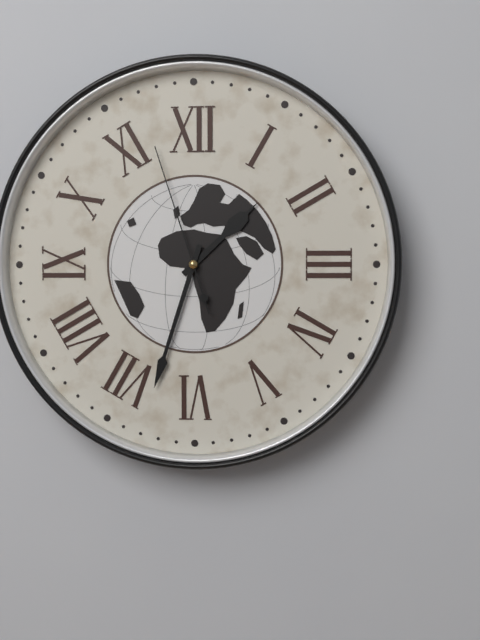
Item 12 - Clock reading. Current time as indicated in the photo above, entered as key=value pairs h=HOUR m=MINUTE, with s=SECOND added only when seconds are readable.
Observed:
h=1 m=33 s=57
